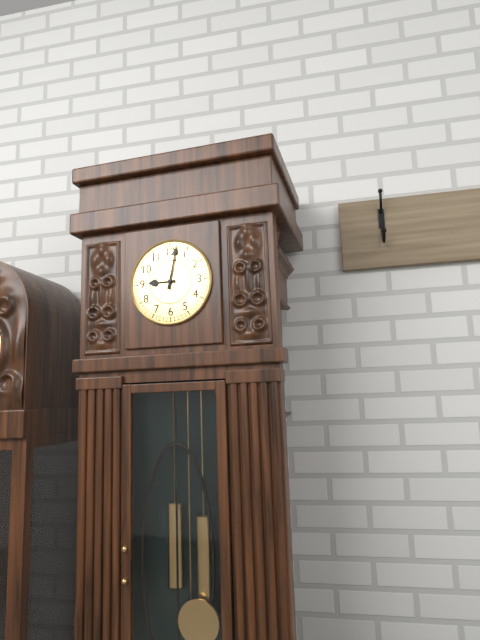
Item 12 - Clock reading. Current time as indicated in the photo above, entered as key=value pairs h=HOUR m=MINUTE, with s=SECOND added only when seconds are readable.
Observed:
h=9 m=2
